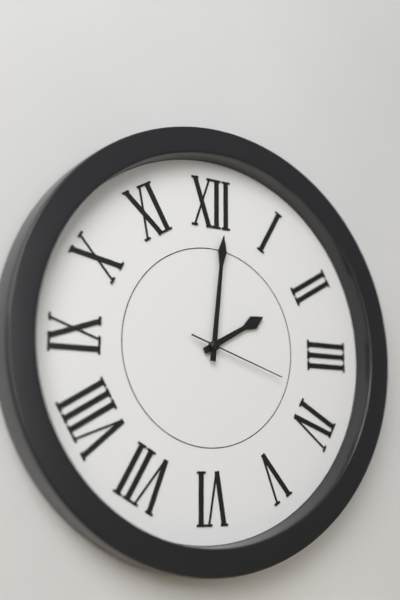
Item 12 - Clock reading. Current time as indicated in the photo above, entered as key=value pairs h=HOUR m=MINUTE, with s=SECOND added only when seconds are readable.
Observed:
h=2 m=1 s=18
